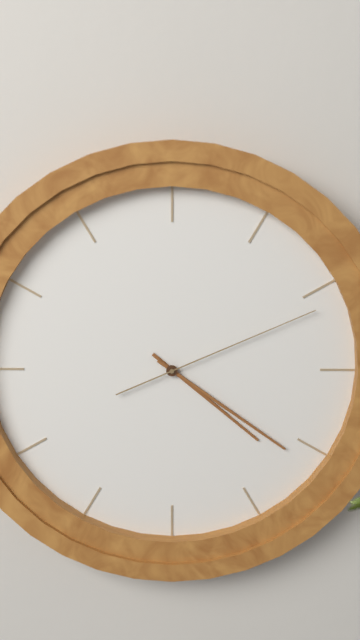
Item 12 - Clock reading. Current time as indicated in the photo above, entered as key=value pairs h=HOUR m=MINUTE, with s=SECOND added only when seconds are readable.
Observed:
h=4 m=21 s=11
